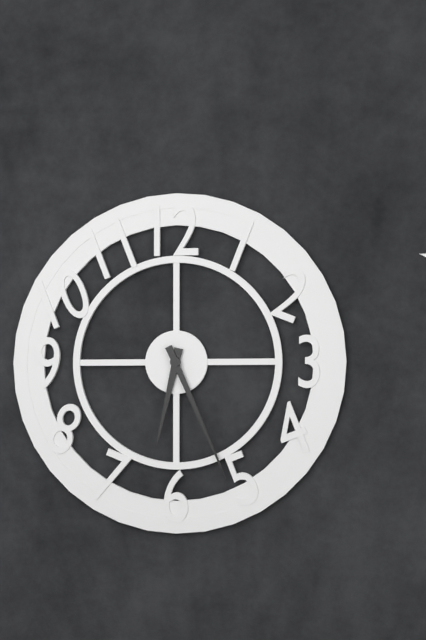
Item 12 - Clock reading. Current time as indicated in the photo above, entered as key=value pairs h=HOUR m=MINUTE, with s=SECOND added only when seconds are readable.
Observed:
h=6 m=26
